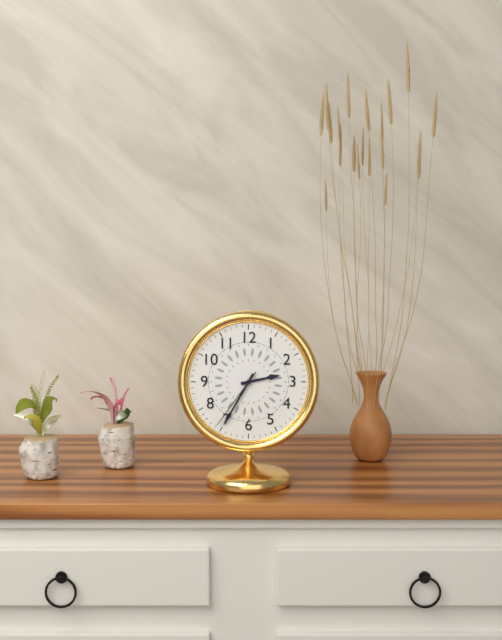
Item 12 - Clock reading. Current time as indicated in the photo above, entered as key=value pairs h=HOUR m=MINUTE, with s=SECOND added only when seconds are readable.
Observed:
h=2 m=35 s=36
